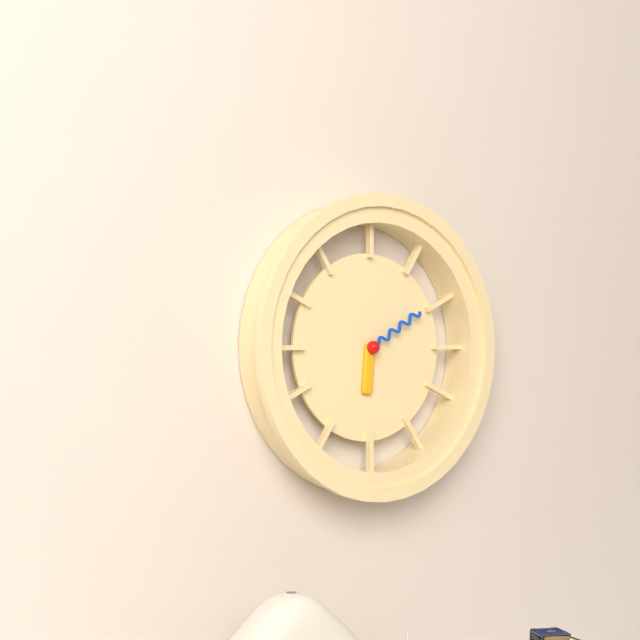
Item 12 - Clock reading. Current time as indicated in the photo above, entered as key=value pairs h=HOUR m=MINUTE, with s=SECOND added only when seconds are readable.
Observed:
h=6 m=10
